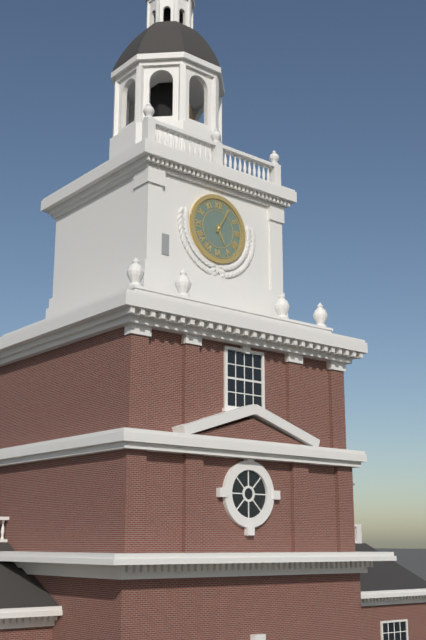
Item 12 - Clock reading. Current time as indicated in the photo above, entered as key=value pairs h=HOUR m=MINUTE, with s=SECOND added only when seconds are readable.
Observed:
h=5 m=5
